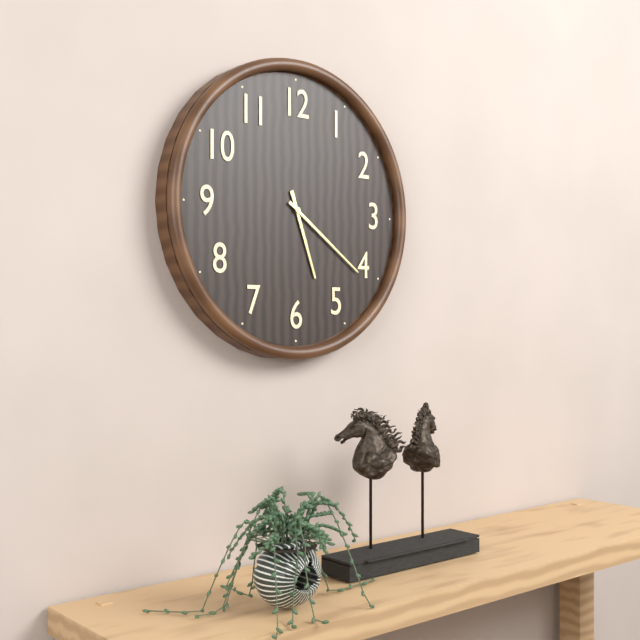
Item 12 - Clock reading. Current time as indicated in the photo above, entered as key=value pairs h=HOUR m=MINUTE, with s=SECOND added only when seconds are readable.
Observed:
h=5 m=21
